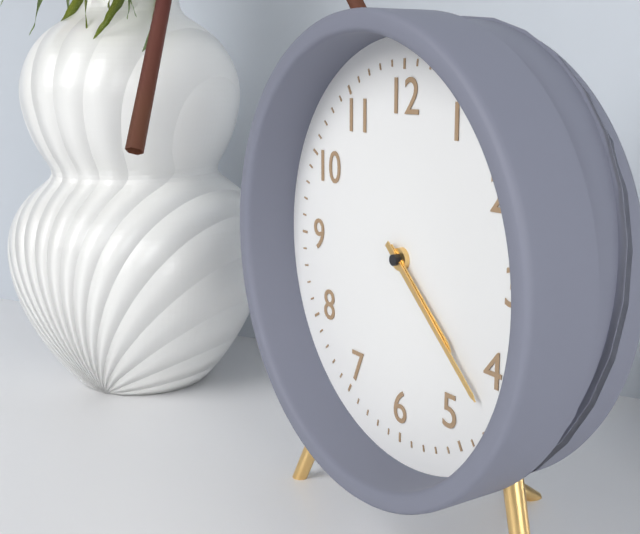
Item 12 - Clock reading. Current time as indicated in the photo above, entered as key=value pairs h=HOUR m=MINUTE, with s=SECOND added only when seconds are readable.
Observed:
h=4 m=22
